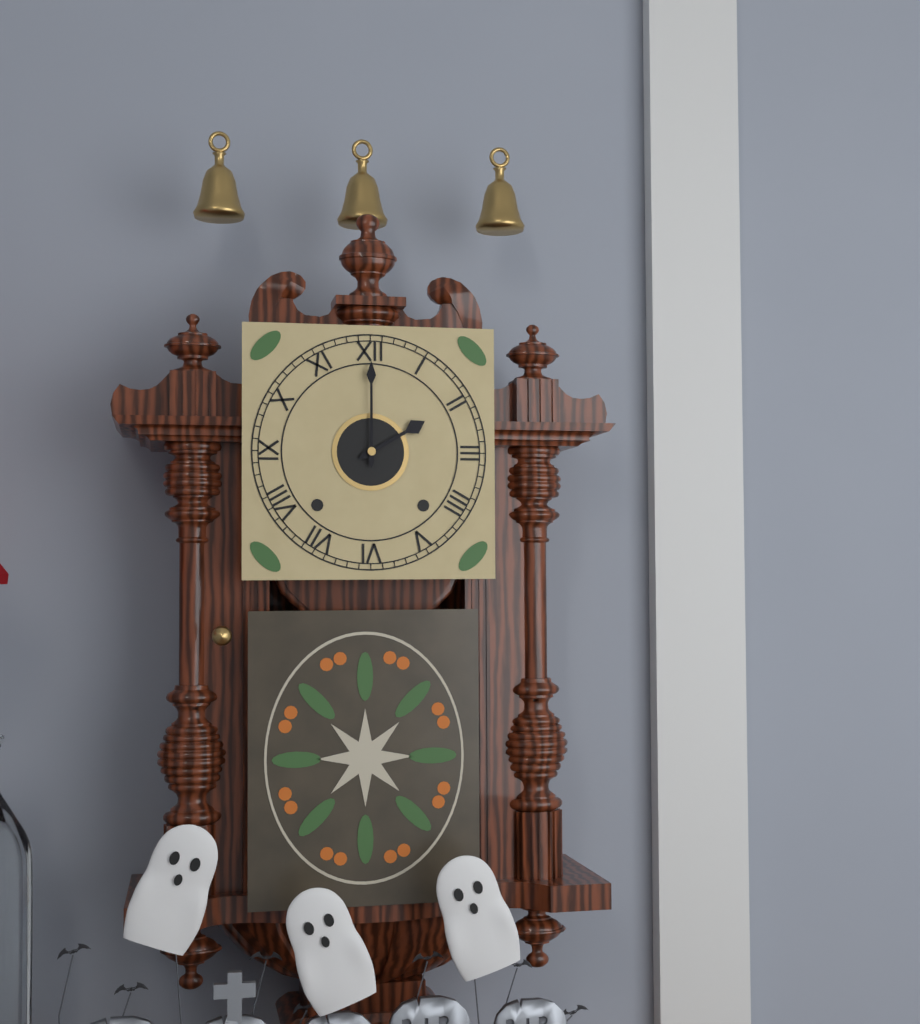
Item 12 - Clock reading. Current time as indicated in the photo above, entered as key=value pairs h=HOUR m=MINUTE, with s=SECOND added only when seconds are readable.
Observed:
h=2 m=0
